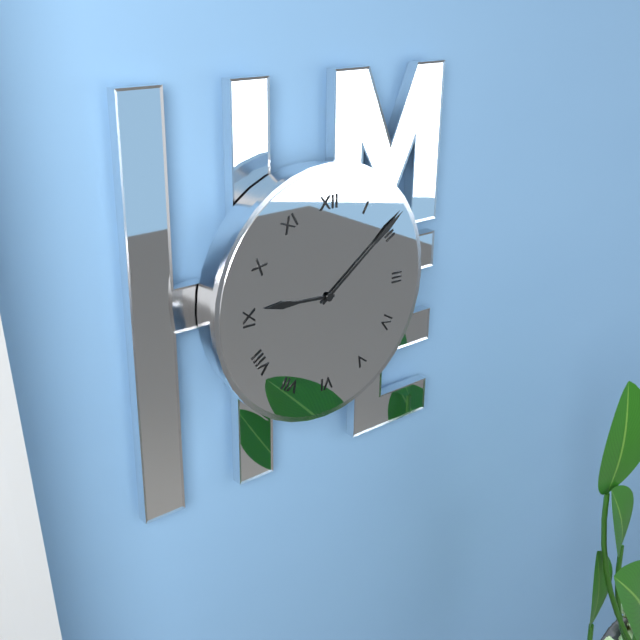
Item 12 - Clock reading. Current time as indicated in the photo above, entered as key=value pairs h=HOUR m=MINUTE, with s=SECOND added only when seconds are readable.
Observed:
h=9 m=9
